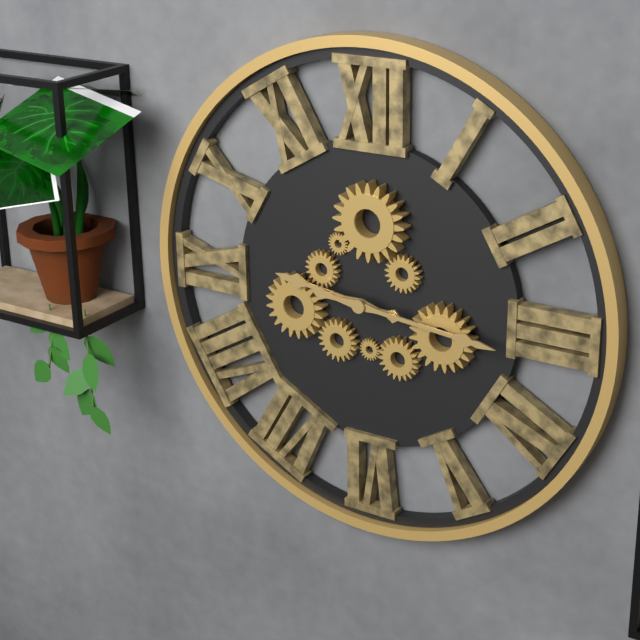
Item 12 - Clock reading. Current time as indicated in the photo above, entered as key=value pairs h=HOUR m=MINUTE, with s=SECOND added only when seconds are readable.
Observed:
h=9 m=16
